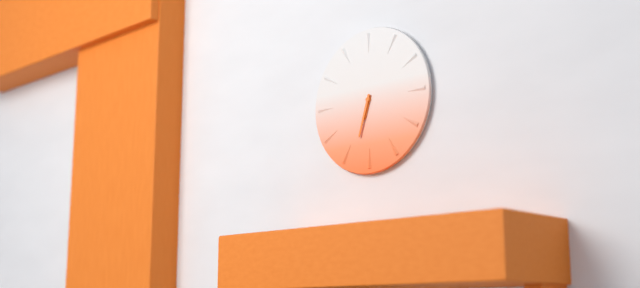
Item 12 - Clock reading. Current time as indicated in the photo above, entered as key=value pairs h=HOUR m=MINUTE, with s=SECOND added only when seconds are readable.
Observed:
h=6 m=33
